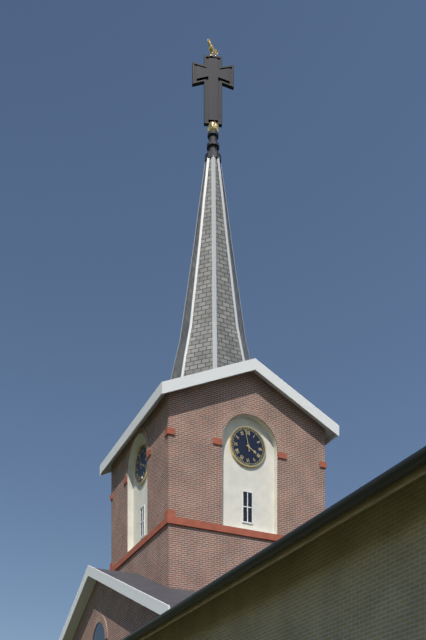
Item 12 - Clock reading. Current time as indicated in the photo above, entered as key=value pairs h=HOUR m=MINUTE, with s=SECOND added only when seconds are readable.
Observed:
h=3 m=58
